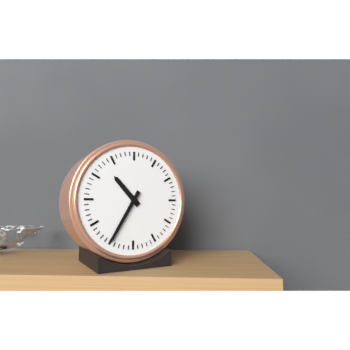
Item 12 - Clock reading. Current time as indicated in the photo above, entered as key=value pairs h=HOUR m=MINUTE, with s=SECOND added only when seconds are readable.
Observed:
h=10 m=35
